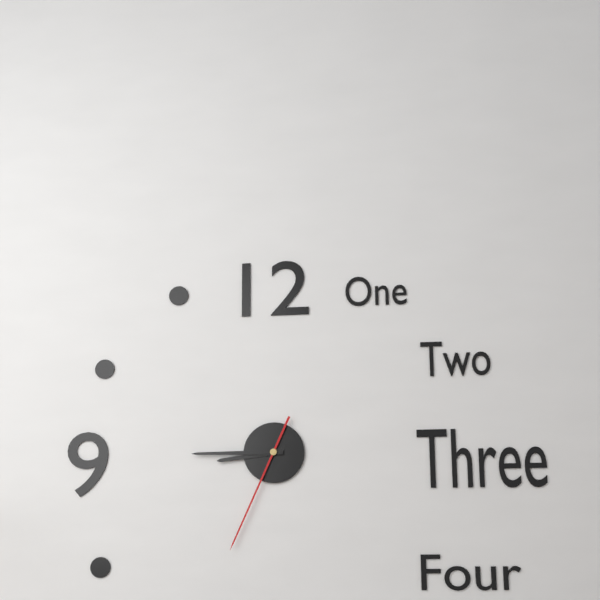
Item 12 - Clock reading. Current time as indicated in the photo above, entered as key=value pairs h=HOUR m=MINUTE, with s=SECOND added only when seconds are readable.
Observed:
h=8 m=45 s=34
